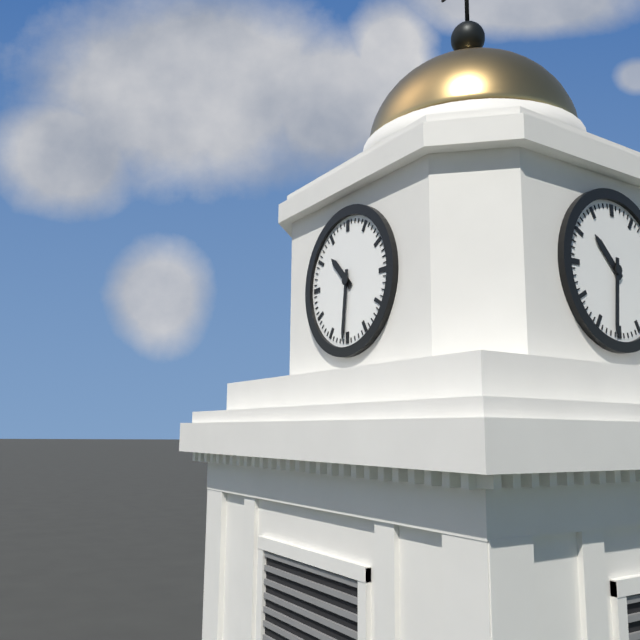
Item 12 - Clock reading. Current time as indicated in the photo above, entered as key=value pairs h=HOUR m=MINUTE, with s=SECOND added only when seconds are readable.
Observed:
h=10 m=31
